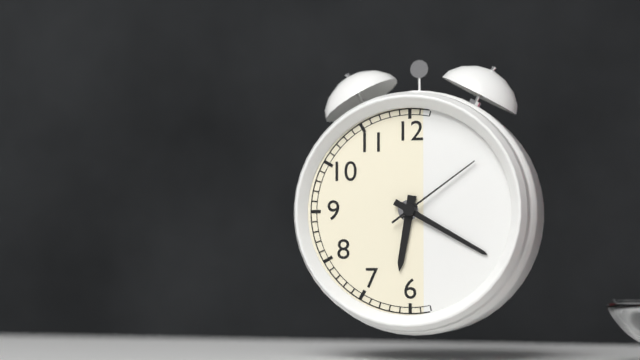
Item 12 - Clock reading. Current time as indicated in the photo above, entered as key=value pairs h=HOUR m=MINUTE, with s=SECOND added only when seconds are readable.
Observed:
h=6 m=20 s=9
